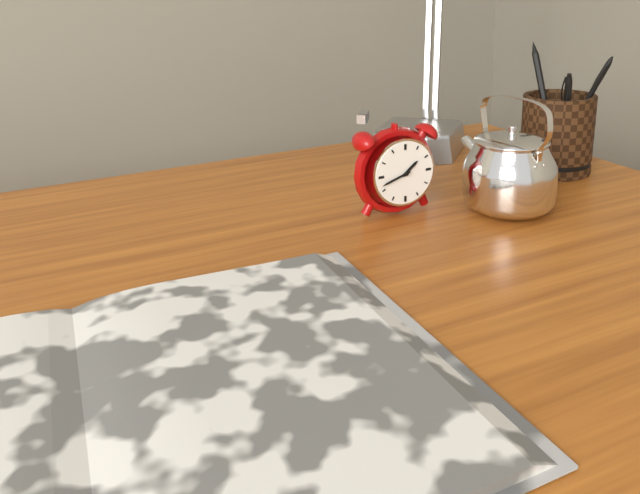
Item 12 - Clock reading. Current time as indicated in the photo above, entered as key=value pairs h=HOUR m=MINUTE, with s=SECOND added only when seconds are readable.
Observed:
h=1 m=42
